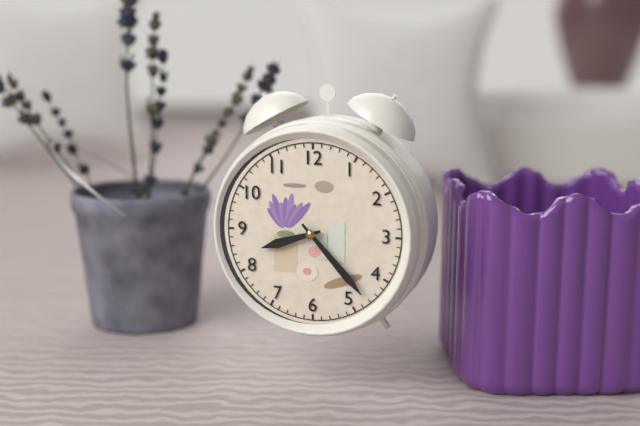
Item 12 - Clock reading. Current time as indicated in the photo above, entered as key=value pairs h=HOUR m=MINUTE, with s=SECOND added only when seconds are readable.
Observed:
h=8 m=23
